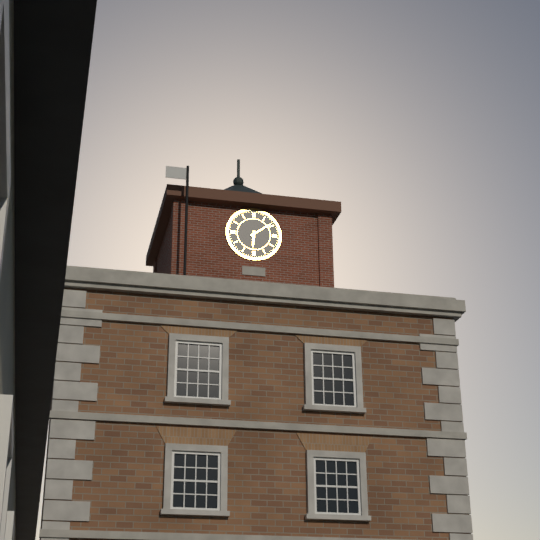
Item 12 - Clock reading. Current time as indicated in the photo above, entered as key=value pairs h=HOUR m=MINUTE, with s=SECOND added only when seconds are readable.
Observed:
h=6 m=9
